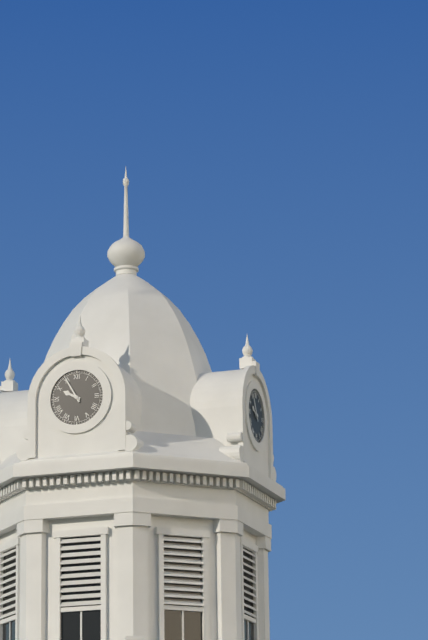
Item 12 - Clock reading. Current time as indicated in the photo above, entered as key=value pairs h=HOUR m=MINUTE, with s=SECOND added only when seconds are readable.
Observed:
h=9 m=55
